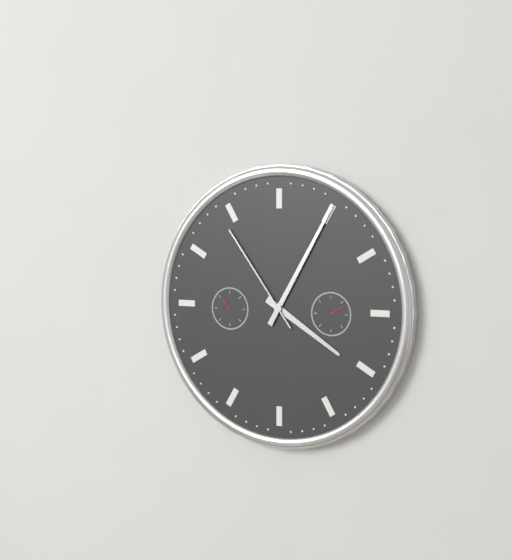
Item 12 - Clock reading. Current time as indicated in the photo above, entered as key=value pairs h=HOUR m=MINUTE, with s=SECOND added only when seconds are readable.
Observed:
h=4 m=5 s=54
